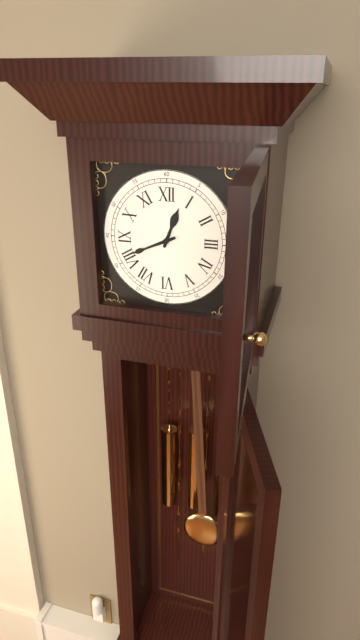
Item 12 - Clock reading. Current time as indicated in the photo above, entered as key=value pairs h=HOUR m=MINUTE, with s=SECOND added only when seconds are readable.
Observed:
h=12 m=41
